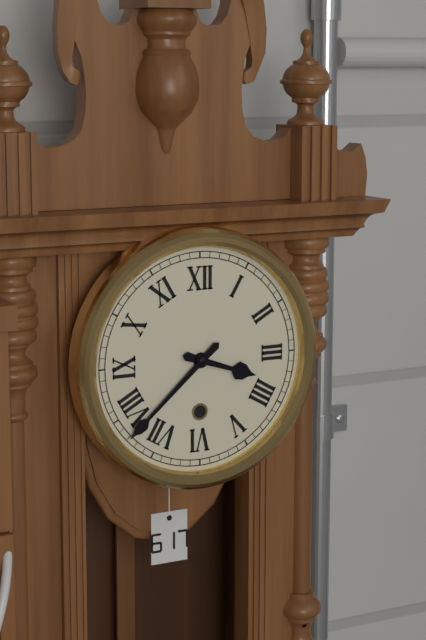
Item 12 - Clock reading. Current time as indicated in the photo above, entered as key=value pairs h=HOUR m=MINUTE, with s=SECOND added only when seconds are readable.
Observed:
h=3 m=38
